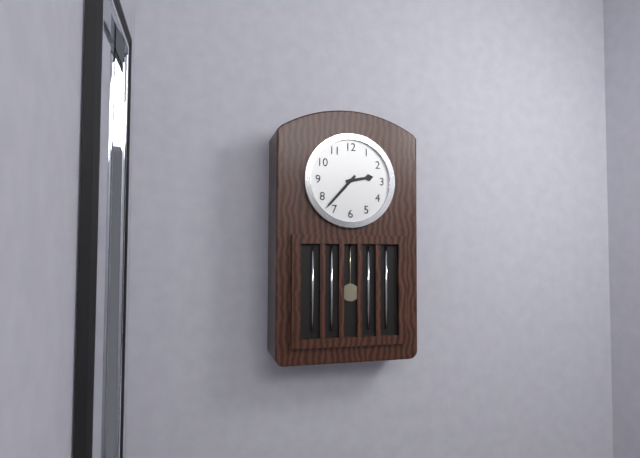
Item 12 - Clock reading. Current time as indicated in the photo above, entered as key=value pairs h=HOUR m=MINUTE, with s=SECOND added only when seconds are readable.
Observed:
h=2 m=37
